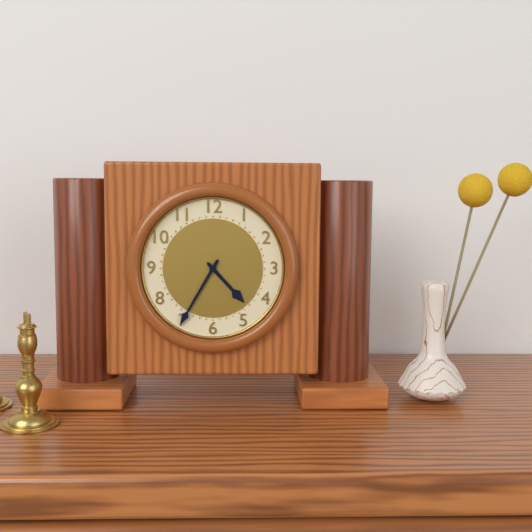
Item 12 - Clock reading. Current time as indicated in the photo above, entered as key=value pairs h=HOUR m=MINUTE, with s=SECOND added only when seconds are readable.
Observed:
h=4 m=35
